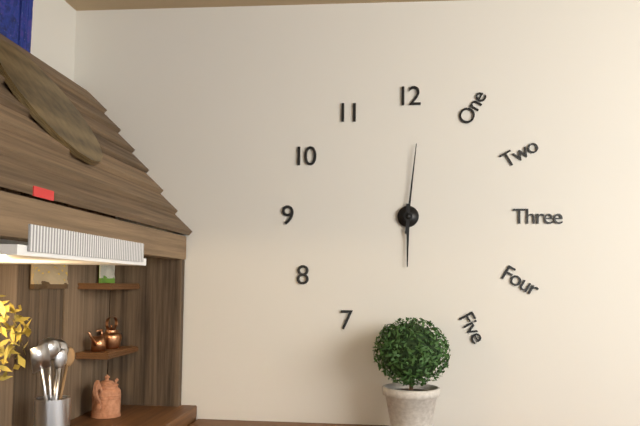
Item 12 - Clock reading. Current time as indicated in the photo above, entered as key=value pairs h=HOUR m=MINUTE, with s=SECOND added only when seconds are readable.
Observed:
h=6 m=1
